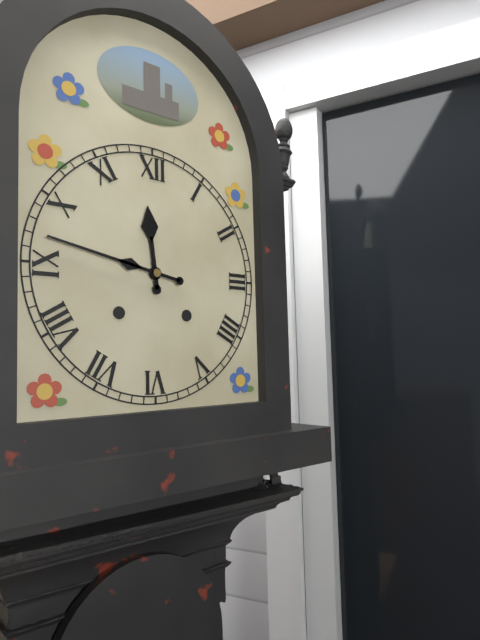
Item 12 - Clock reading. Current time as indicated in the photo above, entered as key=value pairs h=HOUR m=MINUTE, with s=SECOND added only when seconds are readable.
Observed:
h=11 m=47
